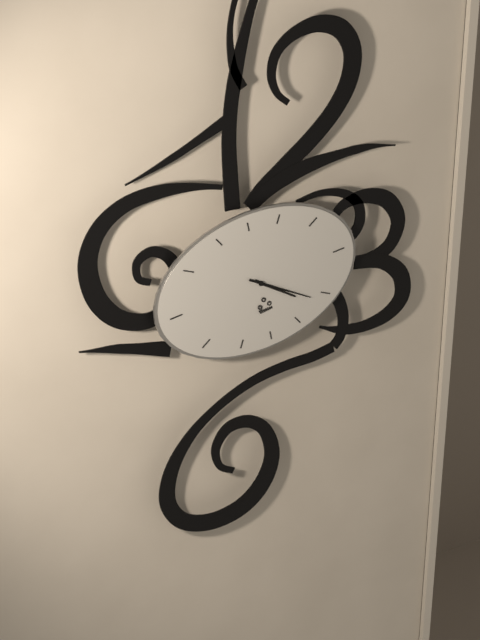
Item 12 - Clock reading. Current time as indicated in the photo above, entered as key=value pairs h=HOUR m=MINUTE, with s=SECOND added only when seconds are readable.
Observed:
h=4 m=21
